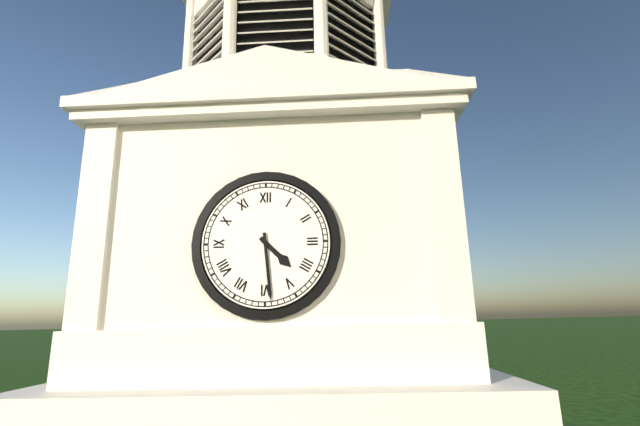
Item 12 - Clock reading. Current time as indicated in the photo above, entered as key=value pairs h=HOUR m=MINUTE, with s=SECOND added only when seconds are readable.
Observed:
h=4 m=29
